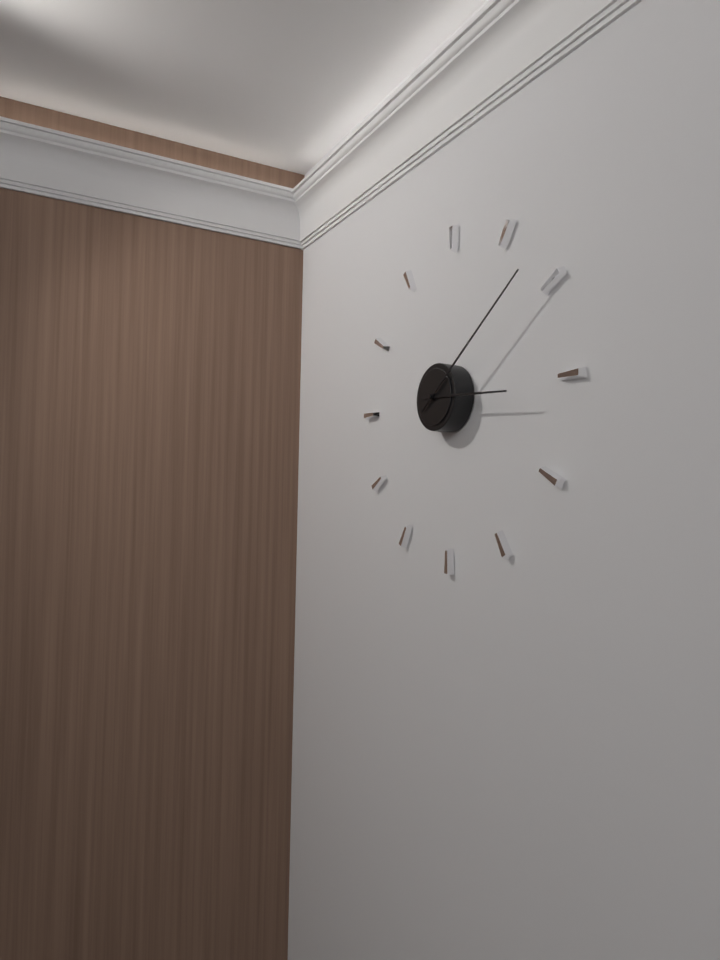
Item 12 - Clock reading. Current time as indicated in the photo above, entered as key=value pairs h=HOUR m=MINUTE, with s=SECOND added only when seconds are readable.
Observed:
h=3 m=9
